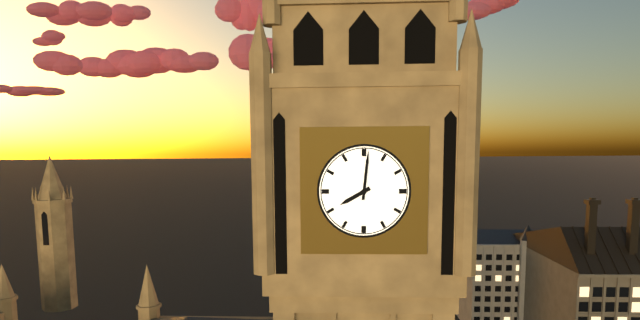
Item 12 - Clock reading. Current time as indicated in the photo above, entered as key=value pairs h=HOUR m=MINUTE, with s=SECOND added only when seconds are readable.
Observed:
h=8 m=1
